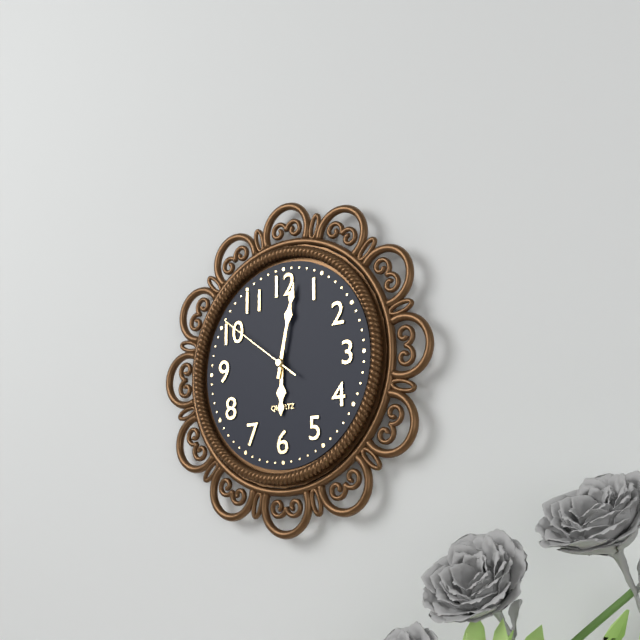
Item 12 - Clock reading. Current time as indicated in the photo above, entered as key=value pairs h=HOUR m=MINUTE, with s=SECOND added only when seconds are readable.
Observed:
h=6 m=2 s=51
